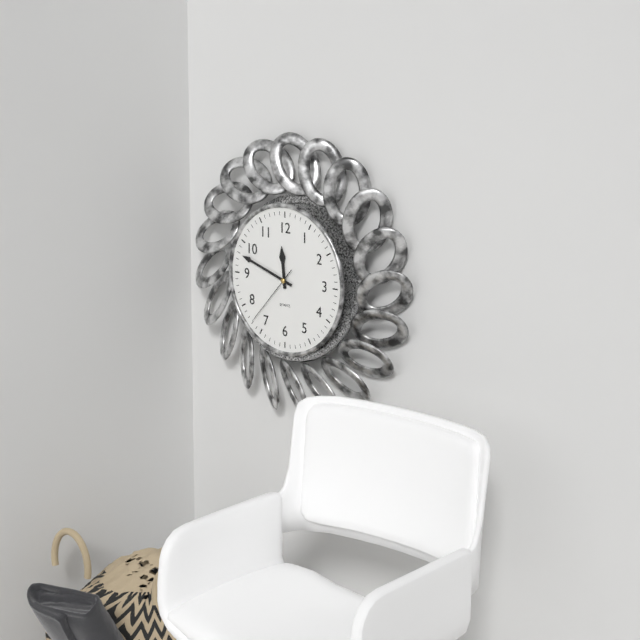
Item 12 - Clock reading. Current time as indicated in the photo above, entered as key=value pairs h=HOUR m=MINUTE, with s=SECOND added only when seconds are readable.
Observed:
h=11 m=48 s=37
